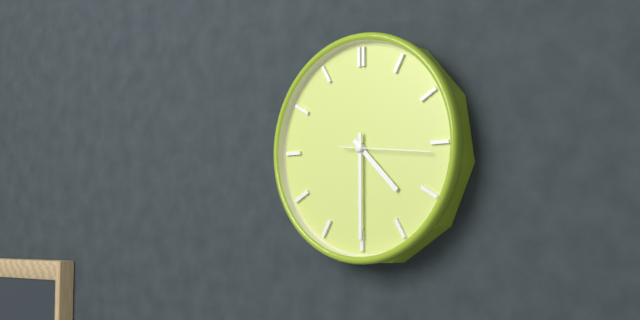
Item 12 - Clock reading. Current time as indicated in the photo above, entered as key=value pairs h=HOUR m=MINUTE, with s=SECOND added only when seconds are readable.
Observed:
h=4 m=30 s=16
